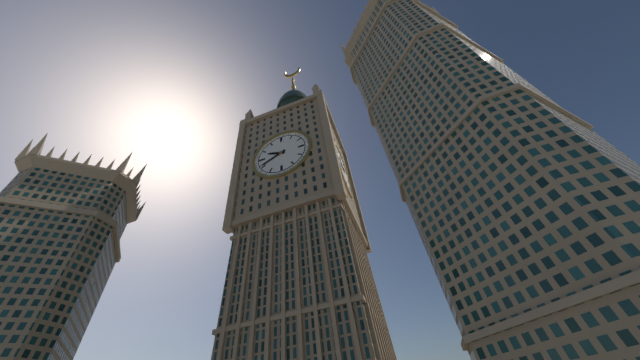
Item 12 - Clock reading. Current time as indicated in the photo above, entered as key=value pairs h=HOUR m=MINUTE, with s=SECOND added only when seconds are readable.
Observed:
h=9 m=41
